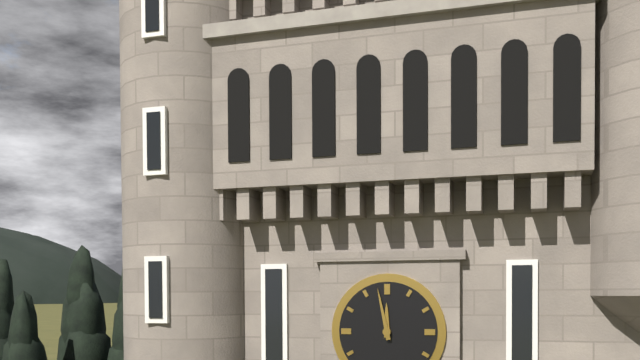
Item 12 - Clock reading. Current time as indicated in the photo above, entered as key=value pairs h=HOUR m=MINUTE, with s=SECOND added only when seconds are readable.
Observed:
h=11 m=58
